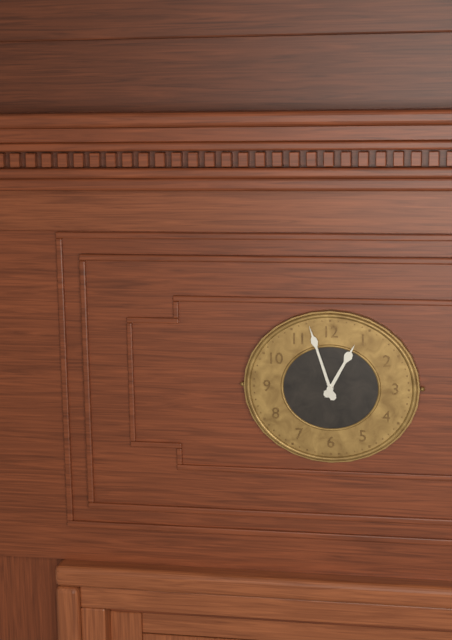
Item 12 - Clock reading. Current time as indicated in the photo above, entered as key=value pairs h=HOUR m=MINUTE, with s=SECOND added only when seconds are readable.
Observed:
h=12 m=57
